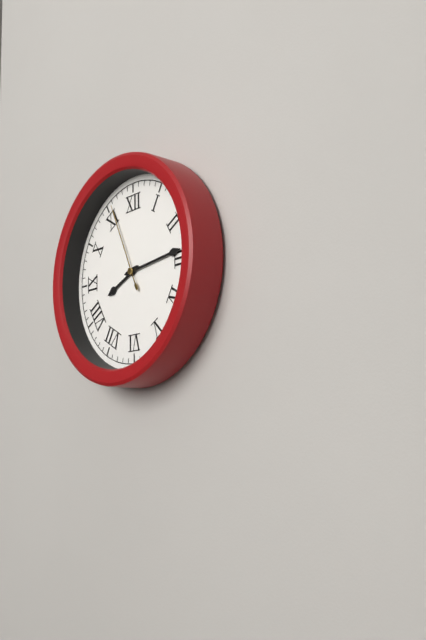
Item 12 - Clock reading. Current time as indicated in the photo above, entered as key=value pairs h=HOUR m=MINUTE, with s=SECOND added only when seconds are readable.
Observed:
h=8 m=14 s=56
